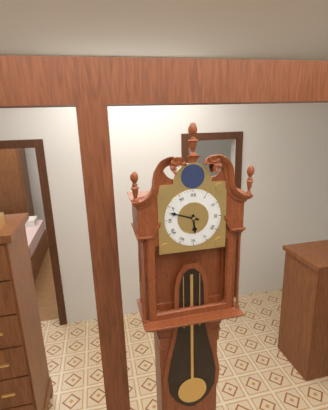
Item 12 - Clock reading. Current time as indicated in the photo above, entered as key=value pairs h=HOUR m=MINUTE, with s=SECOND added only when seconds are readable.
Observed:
h=5 m=48
